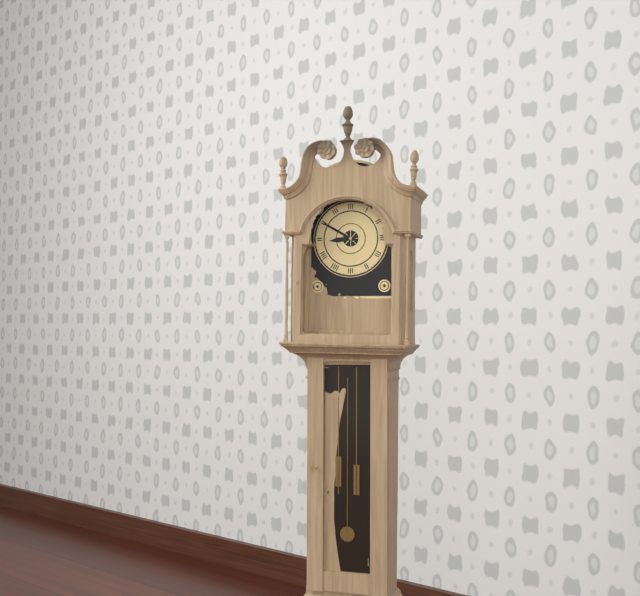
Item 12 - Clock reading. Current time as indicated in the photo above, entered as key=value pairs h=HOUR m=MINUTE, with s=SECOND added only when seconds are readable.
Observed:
h=8 m=50
